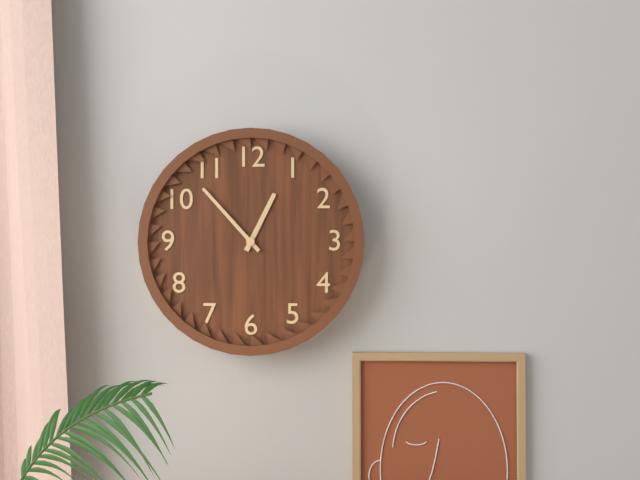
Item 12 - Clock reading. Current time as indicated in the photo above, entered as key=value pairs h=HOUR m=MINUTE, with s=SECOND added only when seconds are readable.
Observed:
h=12 m=53
